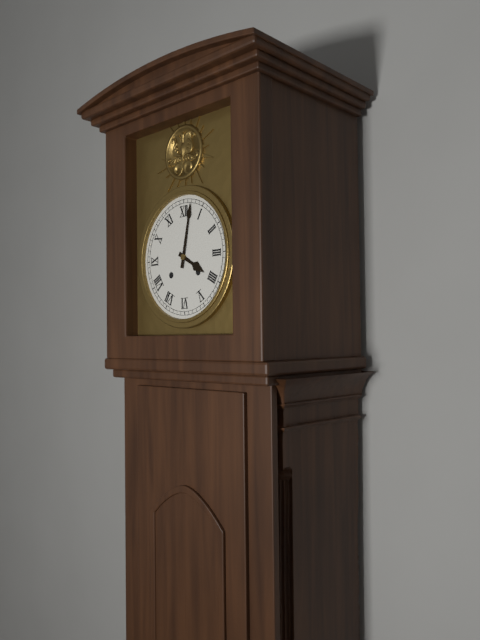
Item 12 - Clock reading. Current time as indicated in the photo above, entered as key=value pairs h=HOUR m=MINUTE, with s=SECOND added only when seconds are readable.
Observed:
h=4 m=2
